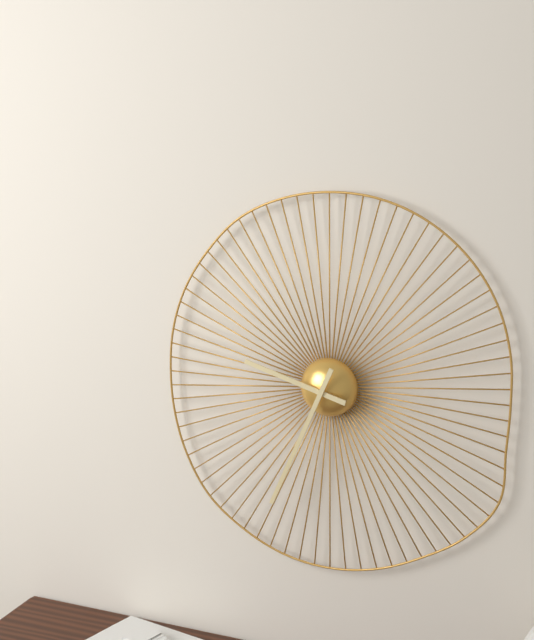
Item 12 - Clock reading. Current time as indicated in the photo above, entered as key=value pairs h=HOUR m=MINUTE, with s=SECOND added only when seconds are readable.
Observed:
h=9 m=34
